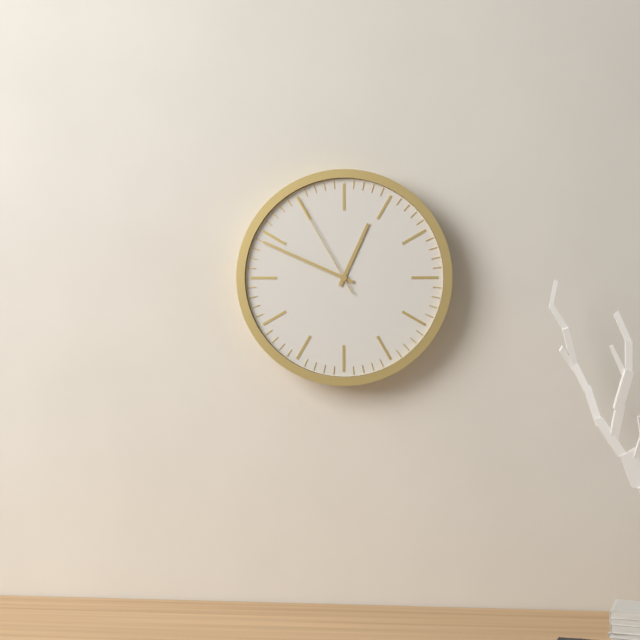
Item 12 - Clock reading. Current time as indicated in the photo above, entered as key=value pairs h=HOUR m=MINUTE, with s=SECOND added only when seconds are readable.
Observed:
h=12 m=49 s=55
